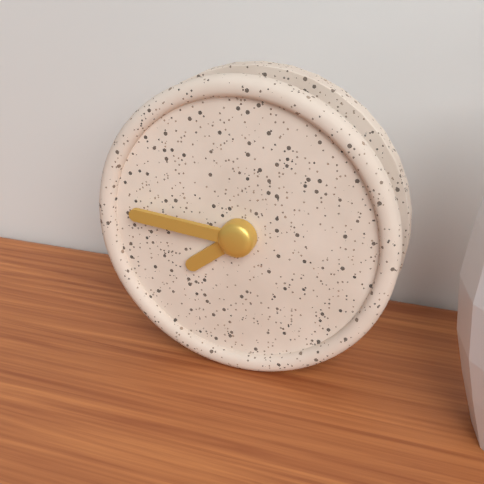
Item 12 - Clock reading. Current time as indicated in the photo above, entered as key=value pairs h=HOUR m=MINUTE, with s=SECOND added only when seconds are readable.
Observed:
h=7 m=46
